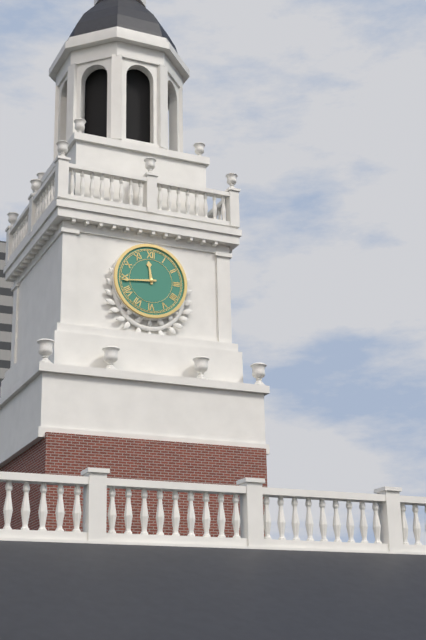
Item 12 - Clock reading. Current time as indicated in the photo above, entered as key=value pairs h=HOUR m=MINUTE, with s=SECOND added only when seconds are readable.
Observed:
h=11 m=44
